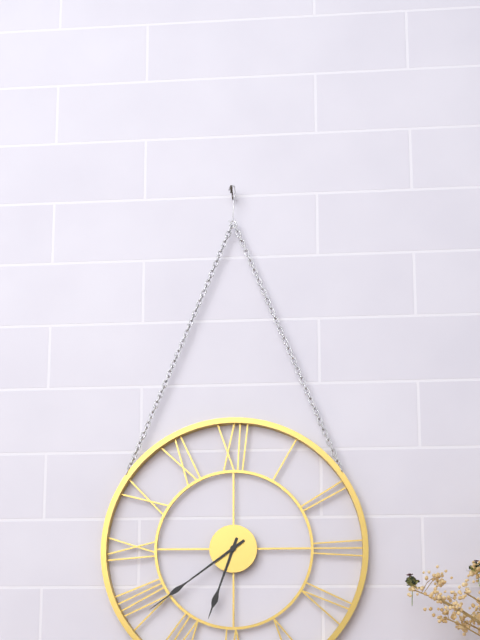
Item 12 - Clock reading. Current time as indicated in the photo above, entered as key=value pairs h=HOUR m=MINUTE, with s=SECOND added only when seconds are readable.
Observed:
h=6 m=39
